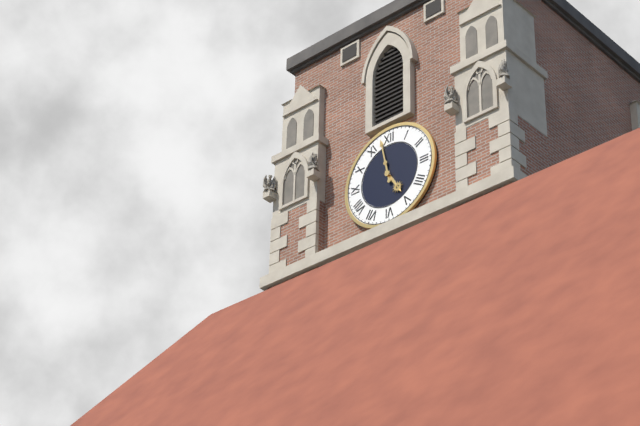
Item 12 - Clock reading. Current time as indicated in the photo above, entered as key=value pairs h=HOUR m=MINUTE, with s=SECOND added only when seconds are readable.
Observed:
h=4 m=58
